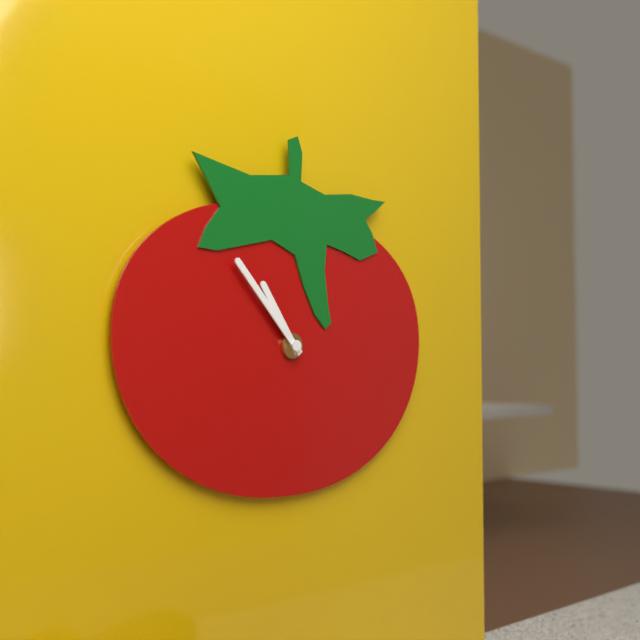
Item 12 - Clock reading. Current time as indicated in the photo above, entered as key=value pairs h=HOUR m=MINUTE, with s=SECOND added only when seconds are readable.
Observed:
h=10 m=53
